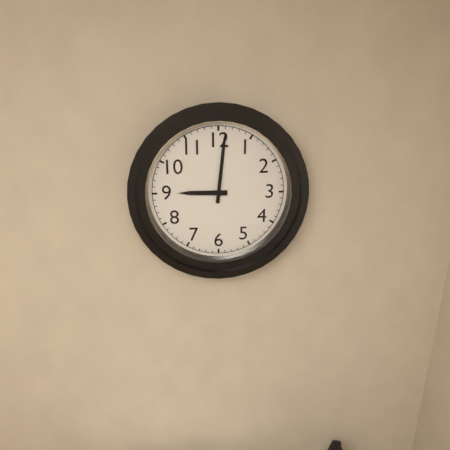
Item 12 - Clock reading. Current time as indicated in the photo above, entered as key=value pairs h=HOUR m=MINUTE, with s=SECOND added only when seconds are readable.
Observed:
h=9 m=1
